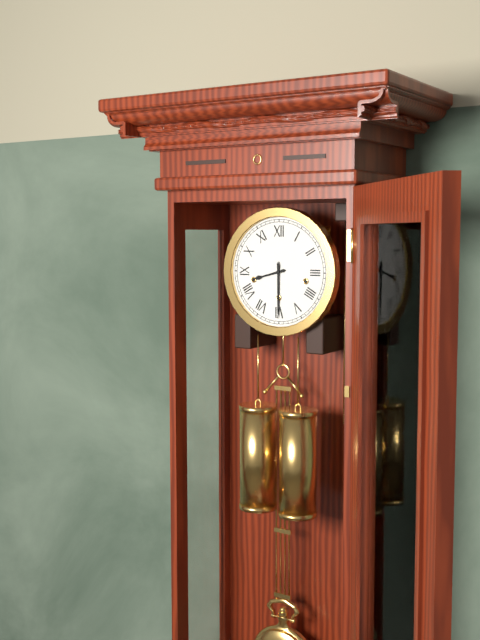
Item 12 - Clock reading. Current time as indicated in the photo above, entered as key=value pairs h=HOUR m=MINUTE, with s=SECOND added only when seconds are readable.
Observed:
h=8 m=30
